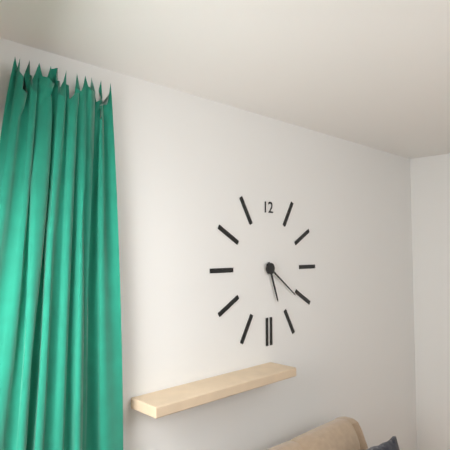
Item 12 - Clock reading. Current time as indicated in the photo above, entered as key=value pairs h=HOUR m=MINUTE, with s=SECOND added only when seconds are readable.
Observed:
h=5 m=21
